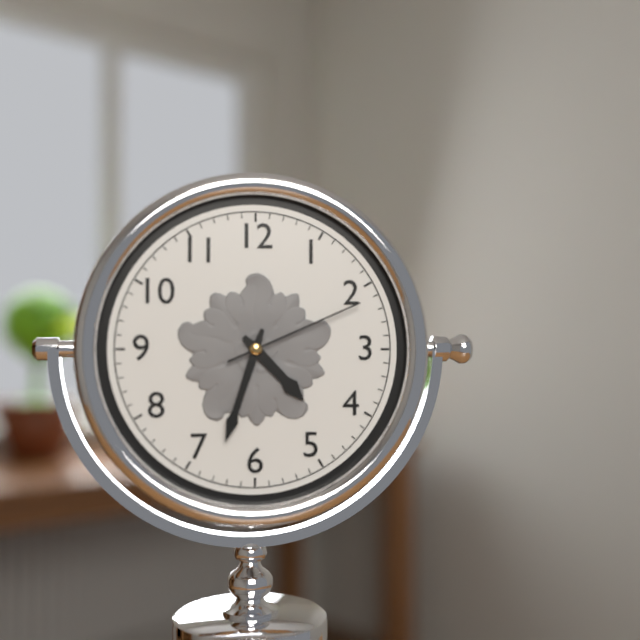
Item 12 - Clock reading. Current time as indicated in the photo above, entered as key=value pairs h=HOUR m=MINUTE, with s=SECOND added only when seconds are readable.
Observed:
h=4 m=33 s=11
